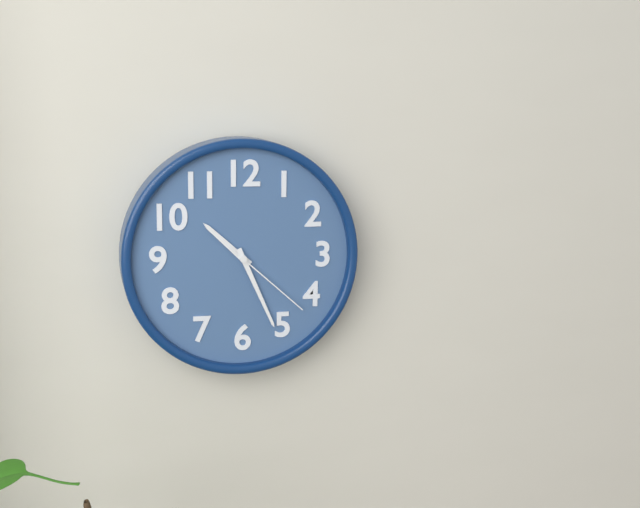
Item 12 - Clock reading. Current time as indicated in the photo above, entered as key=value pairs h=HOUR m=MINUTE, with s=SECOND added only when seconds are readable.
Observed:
h=10 m=26 s=22
